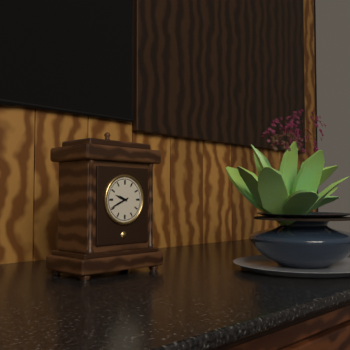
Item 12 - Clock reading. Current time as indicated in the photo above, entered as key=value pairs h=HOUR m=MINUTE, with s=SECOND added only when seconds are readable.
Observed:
h=9 m=41
